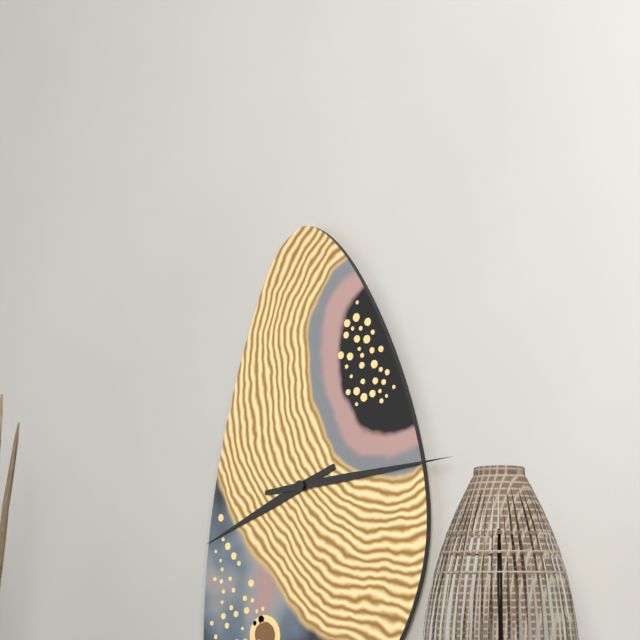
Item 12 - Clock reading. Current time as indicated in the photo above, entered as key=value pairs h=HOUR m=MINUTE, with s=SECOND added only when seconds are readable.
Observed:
h=8 m=14
